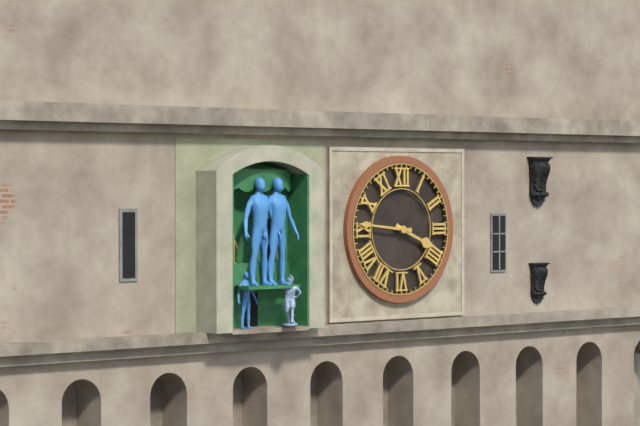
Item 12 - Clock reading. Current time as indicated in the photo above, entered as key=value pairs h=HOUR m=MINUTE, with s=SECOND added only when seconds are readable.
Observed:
h=3 m=46
